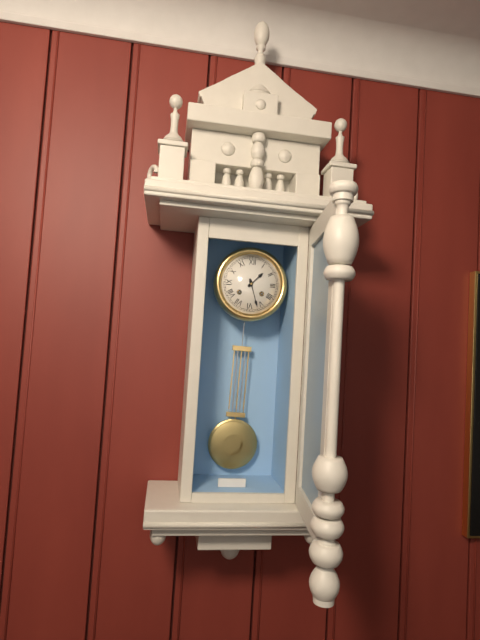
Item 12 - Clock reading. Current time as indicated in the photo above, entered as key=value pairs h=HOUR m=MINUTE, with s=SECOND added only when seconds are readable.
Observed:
h=1 m=27
